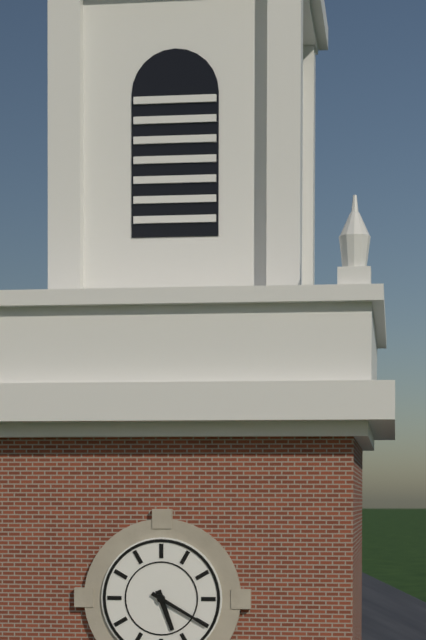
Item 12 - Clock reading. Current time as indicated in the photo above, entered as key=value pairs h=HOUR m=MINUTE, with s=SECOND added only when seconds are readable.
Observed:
h=5 m=20
